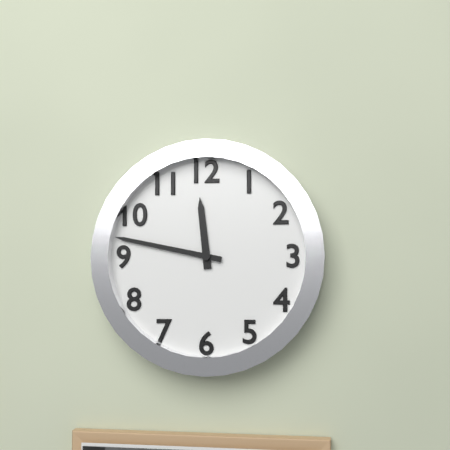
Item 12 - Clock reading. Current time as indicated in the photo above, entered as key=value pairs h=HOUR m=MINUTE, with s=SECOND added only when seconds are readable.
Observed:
h=11 m=47
